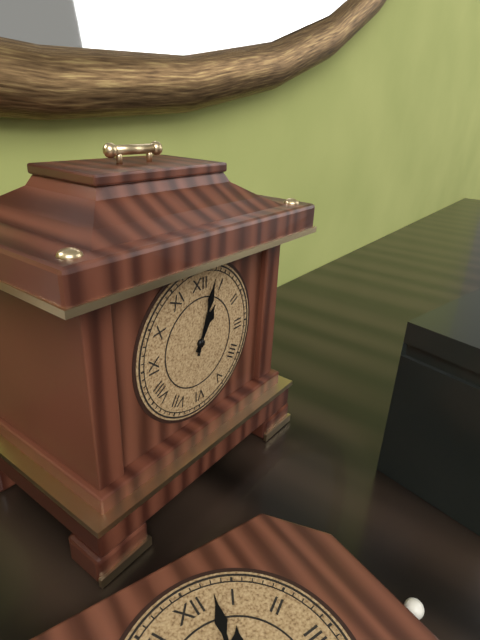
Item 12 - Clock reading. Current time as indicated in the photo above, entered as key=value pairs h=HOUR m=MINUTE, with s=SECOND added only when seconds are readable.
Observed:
h=1 m=3
